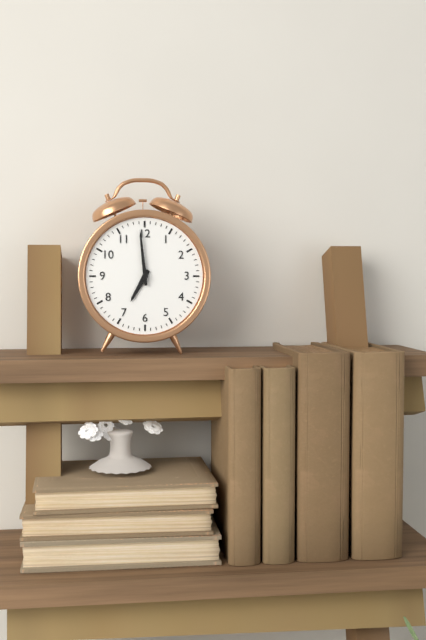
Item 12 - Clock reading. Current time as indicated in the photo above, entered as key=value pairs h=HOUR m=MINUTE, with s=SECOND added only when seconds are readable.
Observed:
h=6 m=59
